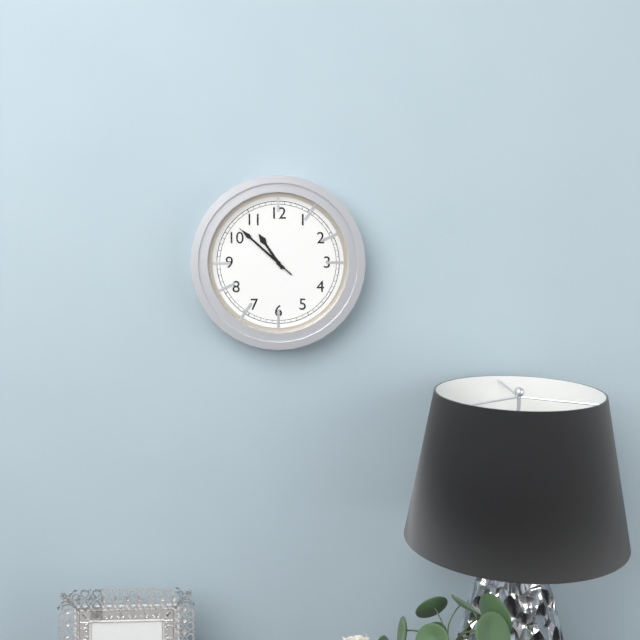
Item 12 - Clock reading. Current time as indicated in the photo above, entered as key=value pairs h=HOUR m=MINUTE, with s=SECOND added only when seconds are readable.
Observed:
h=10 m=52 s=52
